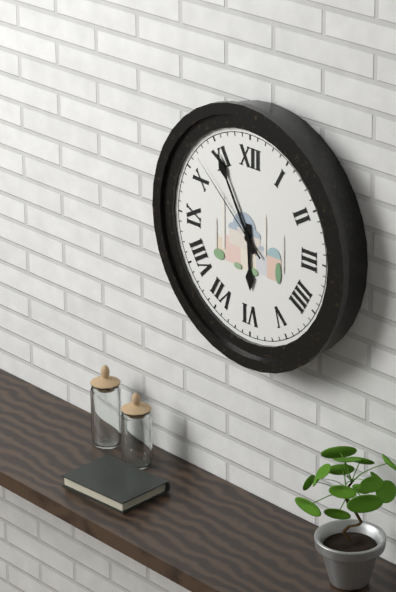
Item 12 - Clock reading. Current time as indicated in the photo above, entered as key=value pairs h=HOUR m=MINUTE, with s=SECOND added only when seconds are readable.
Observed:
h=5 m=55 s=52
